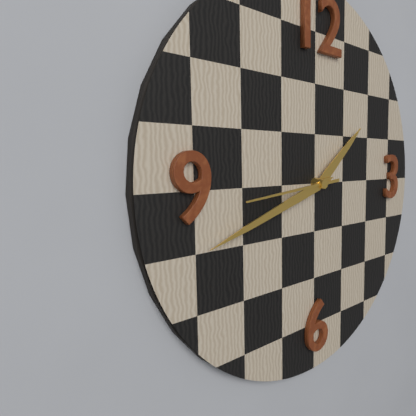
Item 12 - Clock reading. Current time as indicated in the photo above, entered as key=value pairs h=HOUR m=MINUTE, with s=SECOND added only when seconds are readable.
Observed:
h=1 m=42 s=44
